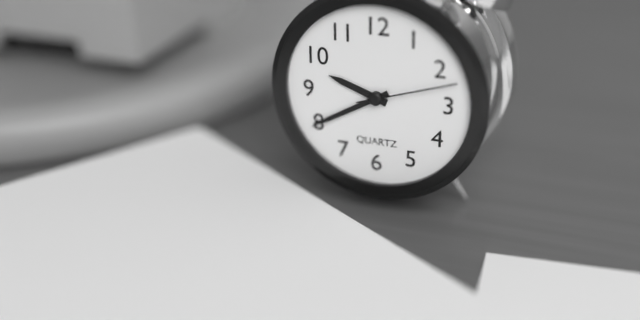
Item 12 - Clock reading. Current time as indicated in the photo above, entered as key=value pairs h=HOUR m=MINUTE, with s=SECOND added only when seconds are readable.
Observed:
h=9 m=40 s=12
